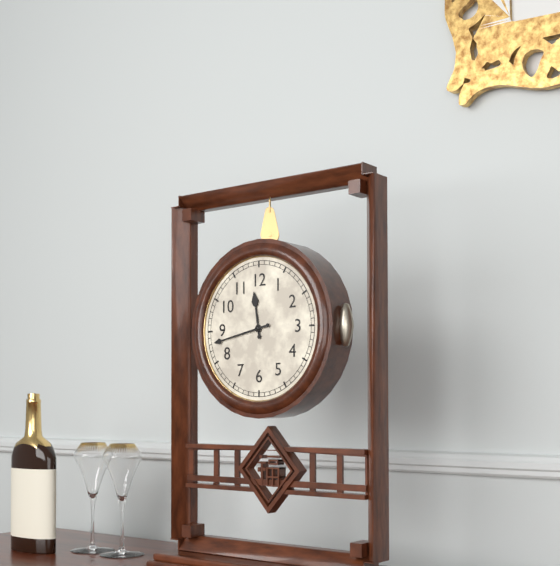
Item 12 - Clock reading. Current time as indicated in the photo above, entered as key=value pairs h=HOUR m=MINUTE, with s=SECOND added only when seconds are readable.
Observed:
h=11 m=43
